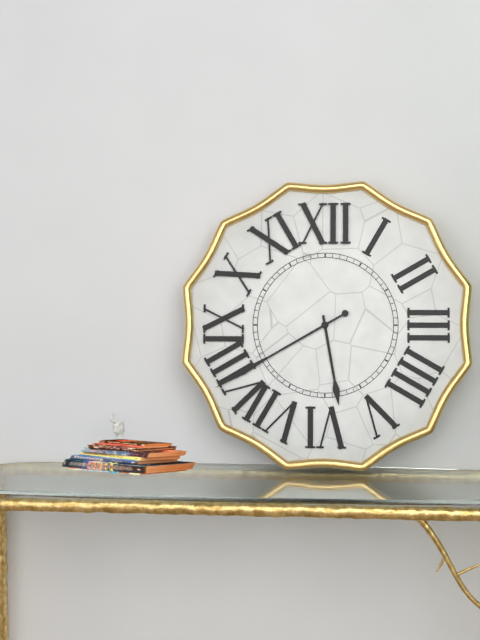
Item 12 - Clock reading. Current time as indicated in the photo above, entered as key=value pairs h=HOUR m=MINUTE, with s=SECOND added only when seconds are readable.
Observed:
h=5 m=40
